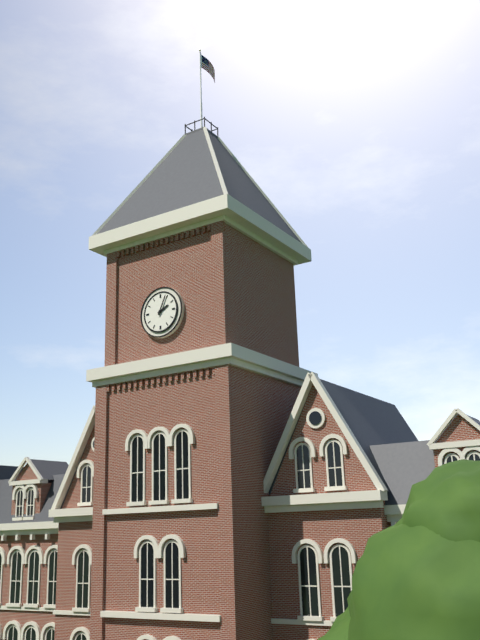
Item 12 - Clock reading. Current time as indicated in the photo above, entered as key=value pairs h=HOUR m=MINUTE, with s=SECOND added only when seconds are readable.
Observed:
h=2 m=4
